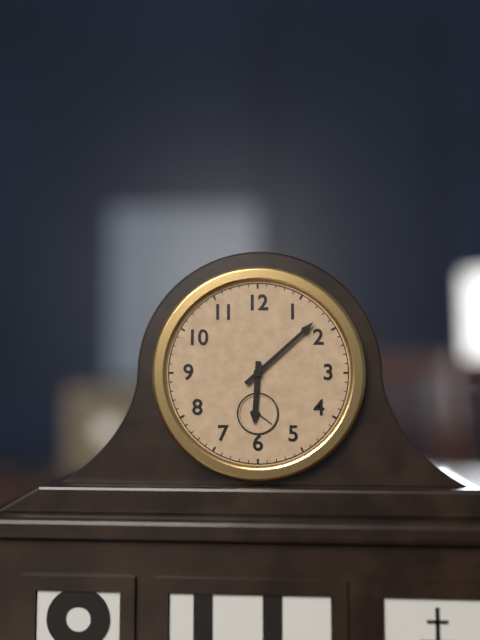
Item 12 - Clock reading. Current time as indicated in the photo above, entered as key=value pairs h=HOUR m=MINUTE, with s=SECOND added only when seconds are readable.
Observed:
h=6 m=8
